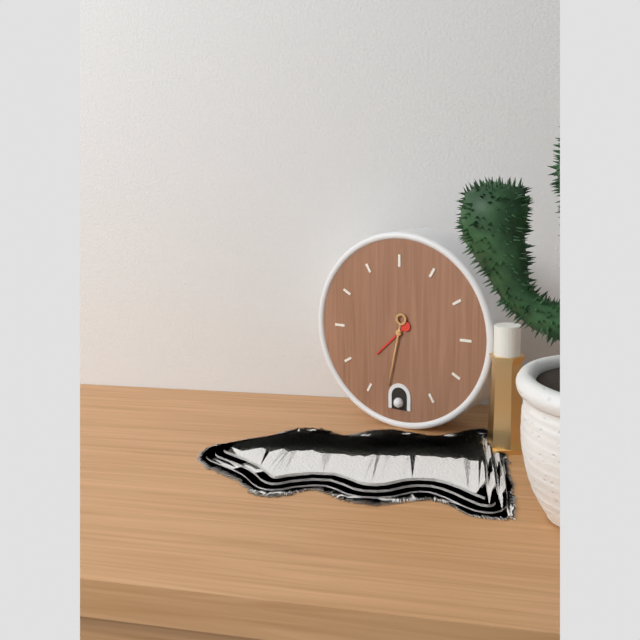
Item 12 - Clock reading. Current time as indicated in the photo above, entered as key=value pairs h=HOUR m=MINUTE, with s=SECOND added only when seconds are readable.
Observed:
h=7 m=32
